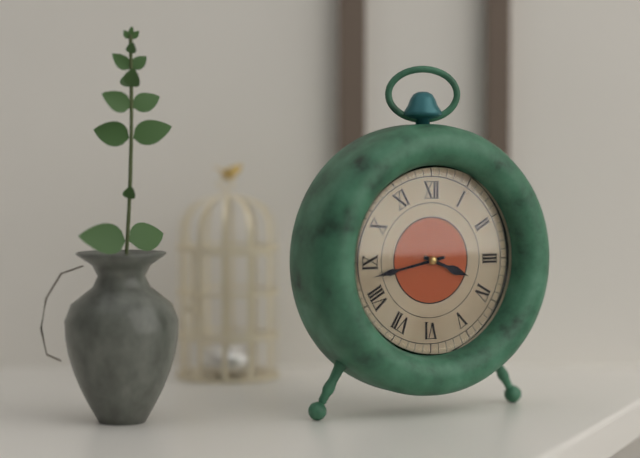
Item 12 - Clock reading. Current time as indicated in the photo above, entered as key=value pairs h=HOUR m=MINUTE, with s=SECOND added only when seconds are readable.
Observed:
h=3 m=43
